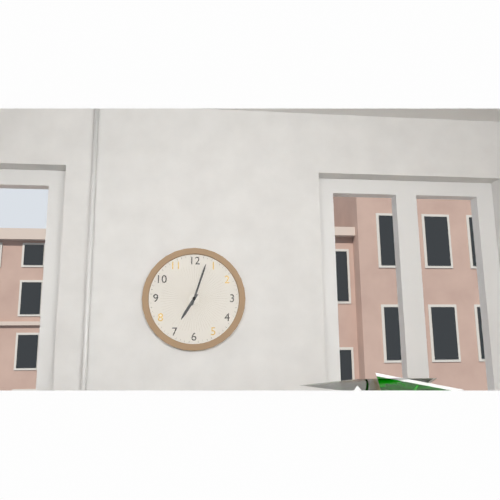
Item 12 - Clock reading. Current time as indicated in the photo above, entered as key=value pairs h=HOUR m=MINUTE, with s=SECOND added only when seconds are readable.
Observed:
h=7 m=3
